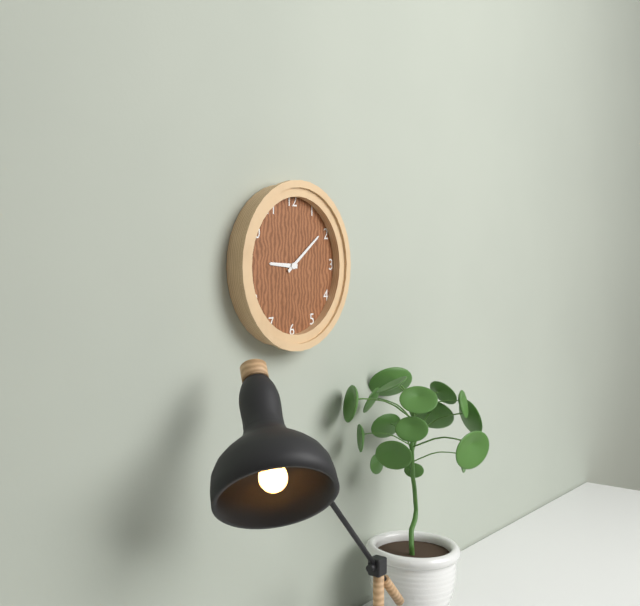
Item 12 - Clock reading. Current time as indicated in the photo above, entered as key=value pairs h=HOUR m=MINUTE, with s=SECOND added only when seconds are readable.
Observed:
h=9 m=9
